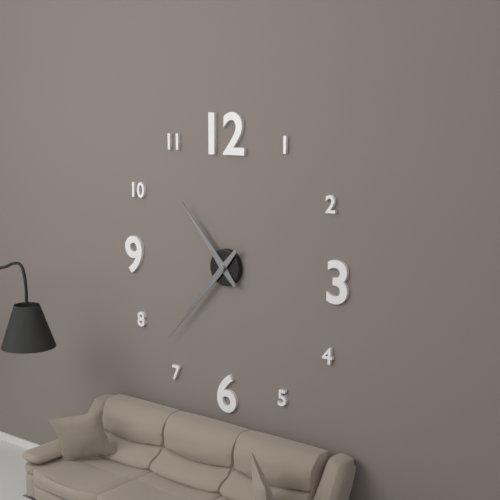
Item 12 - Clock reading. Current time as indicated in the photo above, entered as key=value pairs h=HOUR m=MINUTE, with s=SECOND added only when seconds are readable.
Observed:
h=10 m=37
